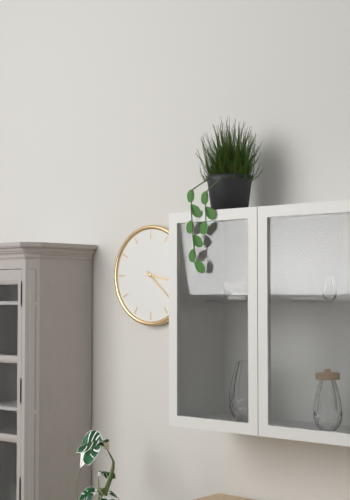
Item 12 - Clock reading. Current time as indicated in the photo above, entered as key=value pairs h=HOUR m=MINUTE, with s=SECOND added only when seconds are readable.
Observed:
h=3 m=22
